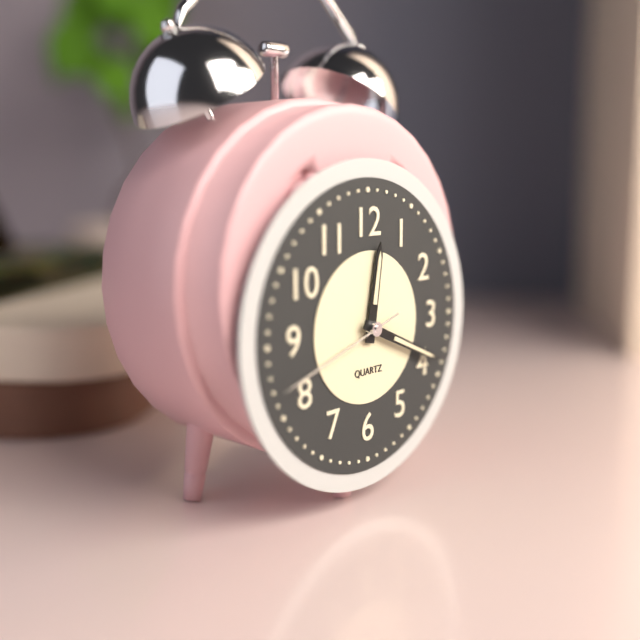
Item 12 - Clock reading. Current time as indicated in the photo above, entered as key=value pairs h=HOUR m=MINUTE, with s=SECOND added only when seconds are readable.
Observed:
h=12 m=19 s=42
